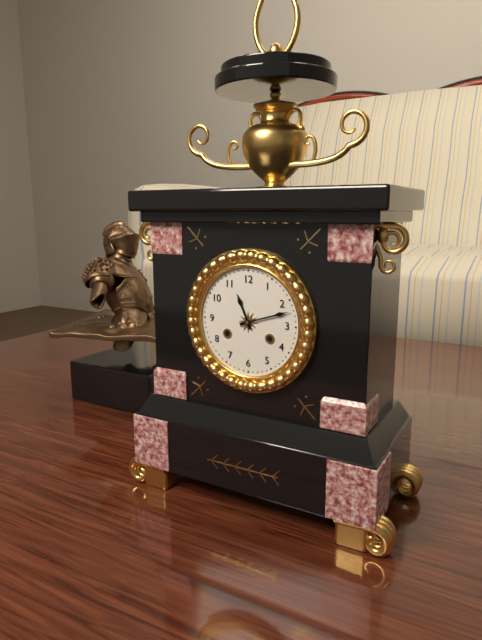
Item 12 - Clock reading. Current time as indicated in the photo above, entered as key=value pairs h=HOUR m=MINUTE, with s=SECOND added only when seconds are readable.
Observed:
h=11 m=12
